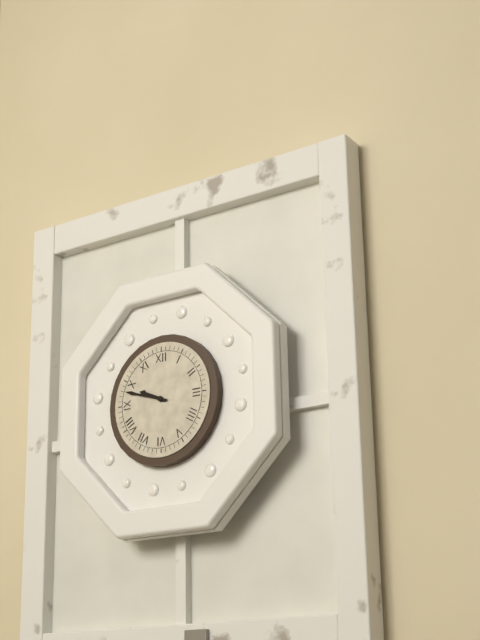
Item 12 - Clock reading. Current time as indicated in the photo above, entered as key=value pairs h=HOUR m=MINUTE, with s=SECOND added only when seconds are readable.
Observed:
h=9 m=48
